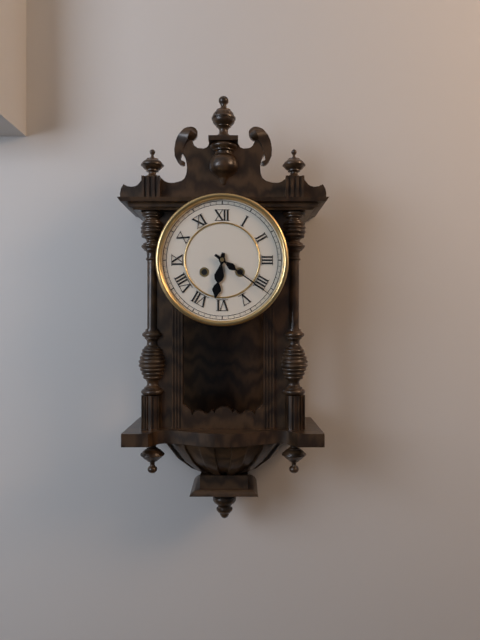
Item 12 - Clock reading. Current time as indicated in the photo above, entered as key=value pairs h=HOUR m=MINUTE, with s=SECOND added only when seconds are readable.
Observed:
h=6 m=21
